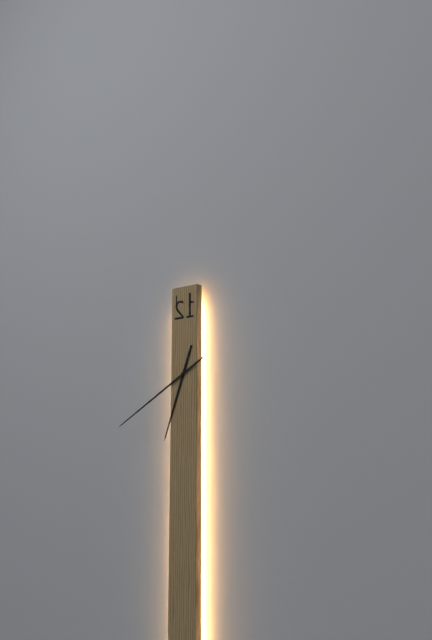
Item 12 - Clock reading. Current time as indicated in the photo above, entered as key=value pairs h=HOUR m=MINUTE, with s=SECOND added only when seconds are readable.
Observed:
h=6 m=40
